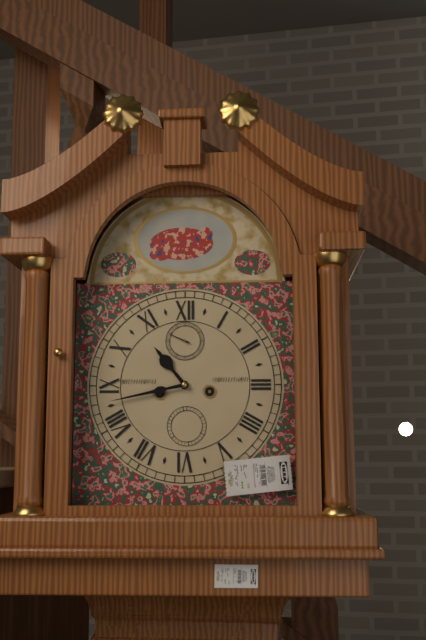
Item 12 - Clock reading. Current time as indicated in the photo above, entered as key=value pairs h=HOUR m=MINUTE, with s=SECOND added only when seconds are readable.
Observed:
h=10 m=43
